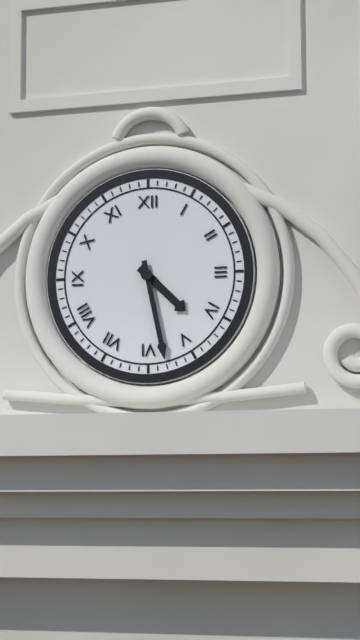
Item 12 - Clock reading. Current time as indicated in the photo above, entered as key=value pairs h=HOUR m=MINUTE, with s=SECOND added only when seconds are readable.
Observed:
h=4 m=28
